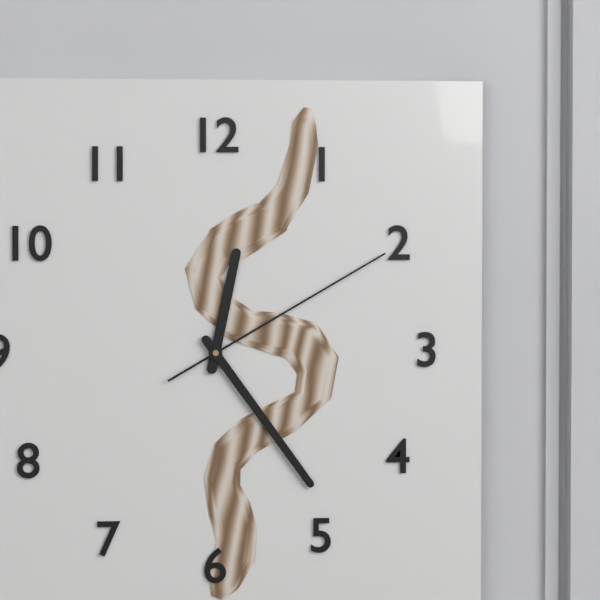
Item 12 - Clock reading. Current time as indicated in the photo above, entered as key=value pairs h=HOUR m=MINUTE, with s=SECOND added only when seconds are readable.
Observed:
h=12 m=24 s=10
